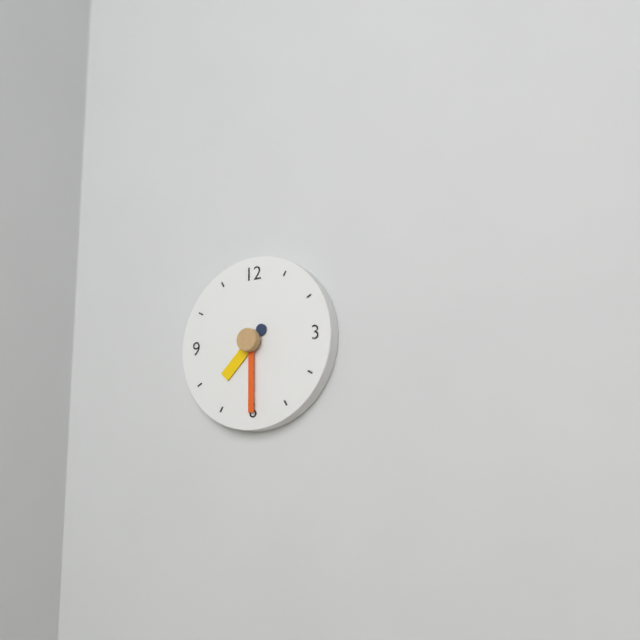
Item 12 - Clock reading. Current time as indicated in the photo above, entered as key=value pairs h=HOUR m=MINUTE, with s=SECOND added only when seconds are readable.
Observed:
h=7 m=30
